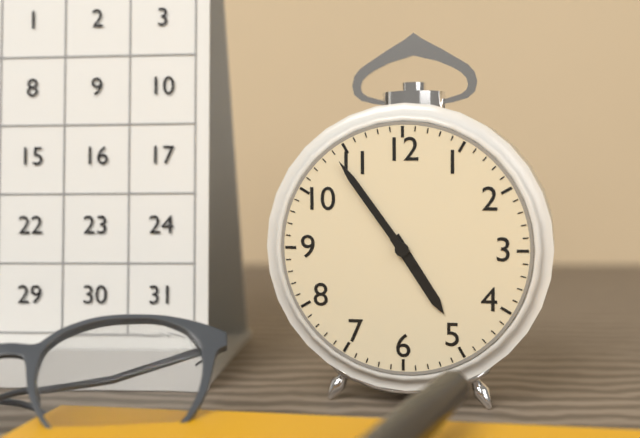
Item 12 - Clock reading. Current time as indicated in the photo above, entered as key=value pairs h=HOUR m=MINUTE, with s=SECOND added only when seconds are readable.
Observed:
h=4 m=54
